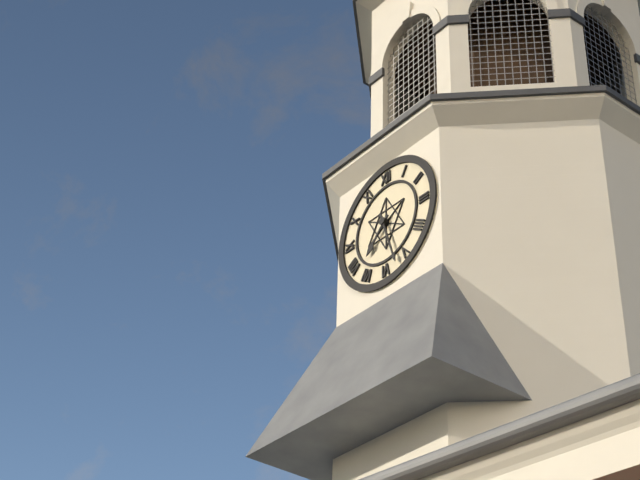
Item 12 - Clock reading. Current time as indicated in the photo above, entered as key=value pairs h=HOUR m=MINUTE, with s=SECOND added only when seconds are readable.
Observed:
h=7 m=27
